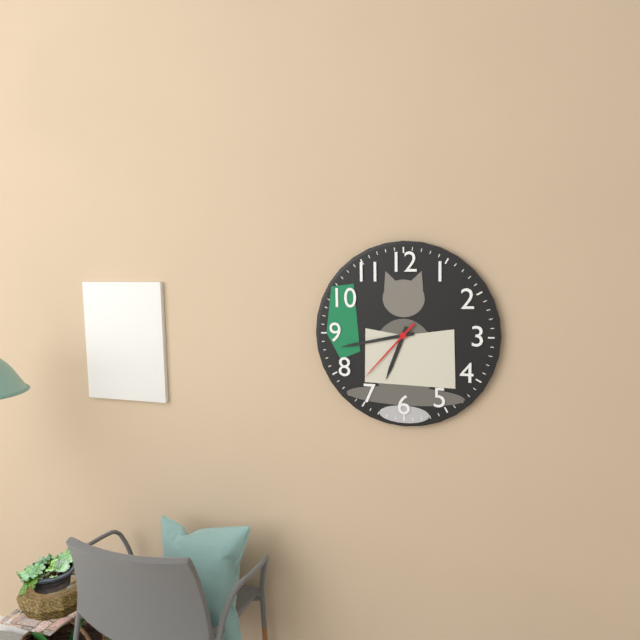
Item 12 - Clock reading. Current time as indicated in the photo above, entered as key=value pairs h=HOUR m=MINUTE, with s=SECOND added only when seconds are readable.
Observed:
h=6 m=43 s=37
